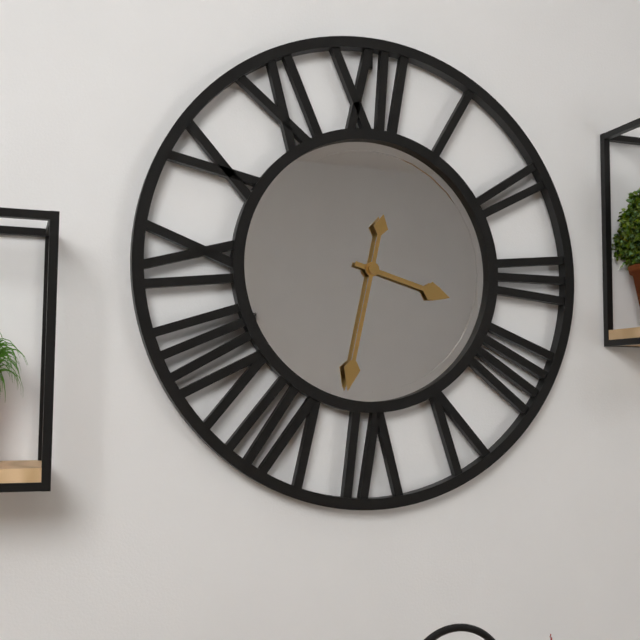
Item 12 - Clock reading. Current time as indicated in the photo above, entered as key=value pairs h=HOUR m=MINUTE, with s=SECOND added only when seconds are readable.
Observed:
h=3 m=32
